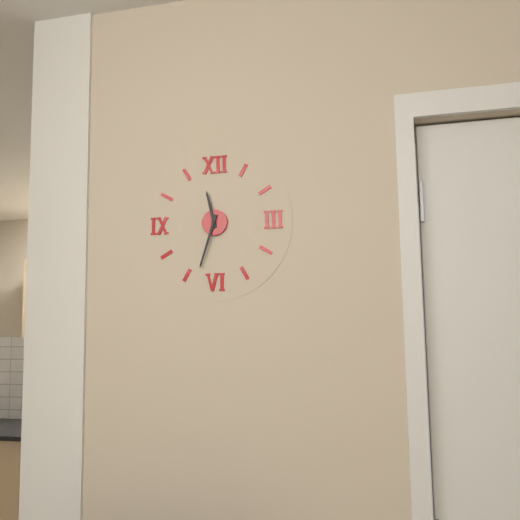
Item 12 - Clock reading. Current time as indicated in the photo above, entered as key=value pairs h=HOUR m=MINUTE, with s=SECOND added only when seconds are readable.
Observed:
h=11 m=33
